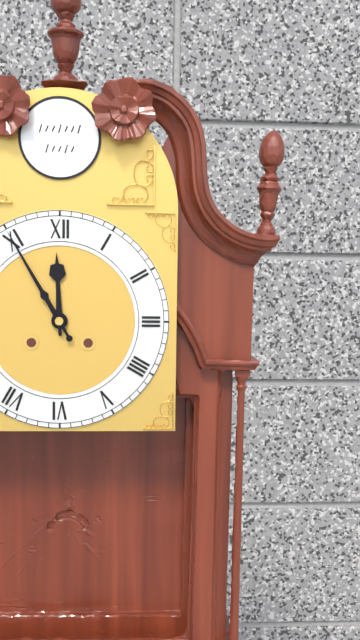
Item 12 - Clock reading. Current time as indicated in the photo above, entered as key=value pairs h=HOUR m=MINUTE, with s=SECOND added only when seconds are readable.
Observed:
h=11 m=55
